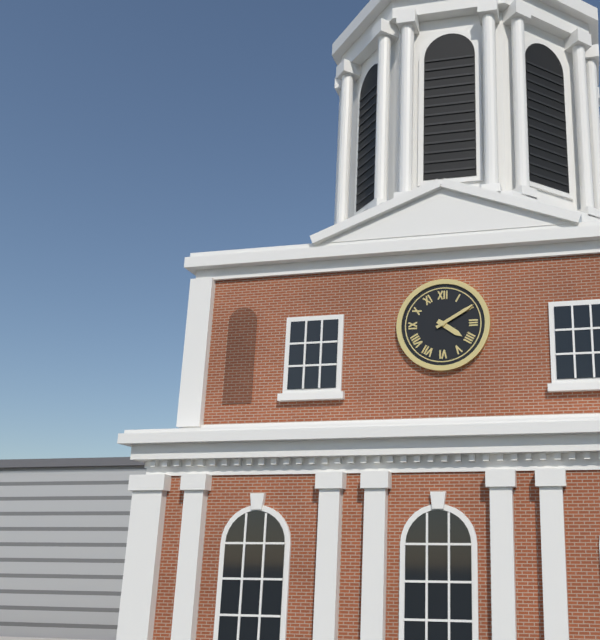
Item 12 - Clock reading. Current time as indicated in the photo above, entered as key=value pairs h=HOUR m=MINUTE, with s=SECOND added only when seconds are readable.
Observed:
h=4 m=10
